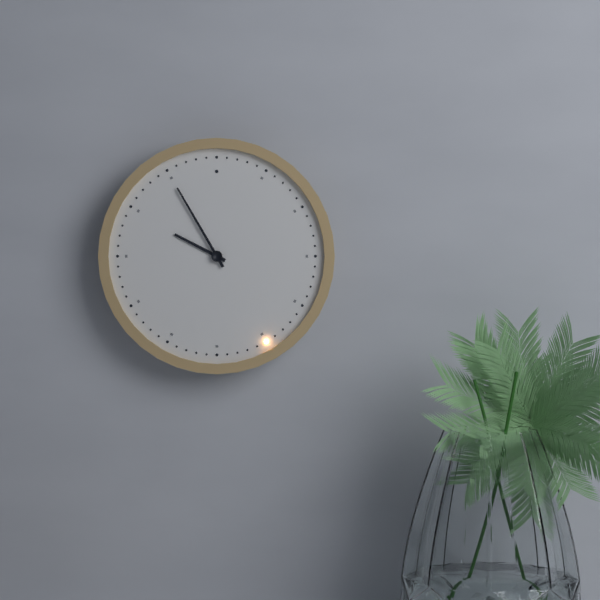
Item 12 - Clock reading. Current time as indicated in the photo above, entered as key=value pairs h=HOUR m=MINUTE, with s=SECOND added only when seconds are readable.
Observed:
h=9 m=55
